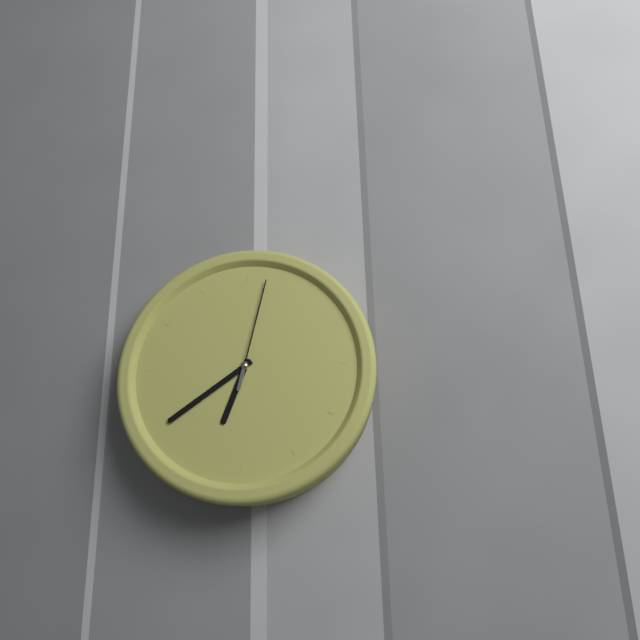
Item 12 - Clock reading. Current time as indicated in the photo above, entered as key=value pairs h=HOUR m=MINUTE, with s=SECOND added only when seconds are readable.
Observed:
h=6 m=39 s=2
